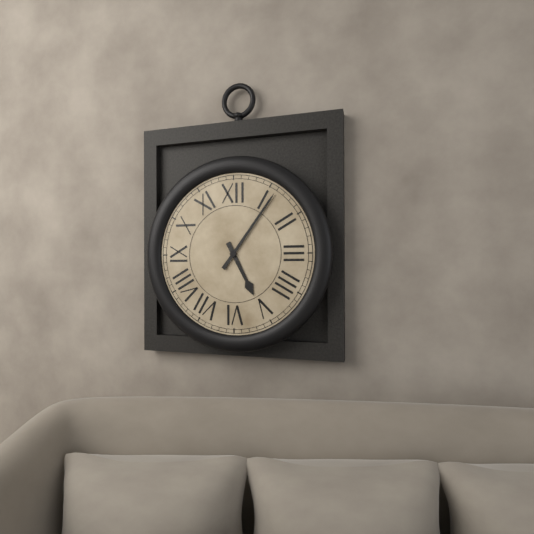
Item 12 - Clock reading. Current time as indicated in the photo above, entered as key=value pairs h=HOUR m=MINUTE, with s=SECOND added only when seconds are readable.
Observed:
h=5 m=6
